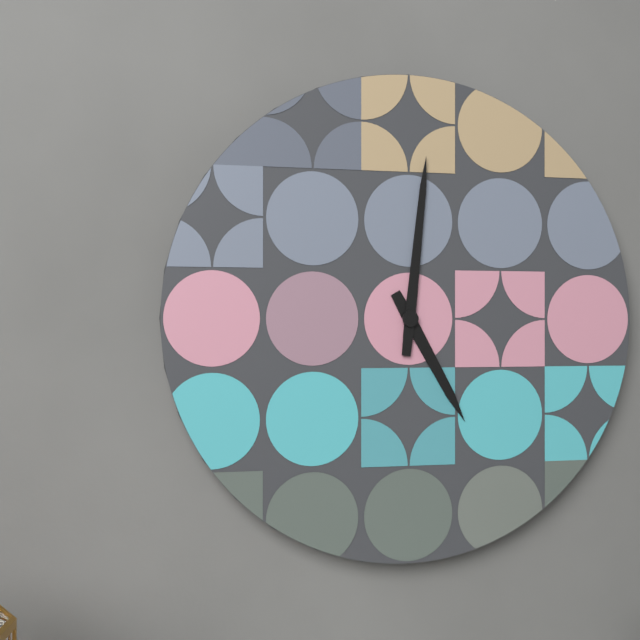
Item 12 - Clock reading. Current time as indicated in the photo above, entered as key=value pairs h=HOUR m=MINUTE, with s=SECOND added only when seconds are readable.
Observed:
h=5 m=1
